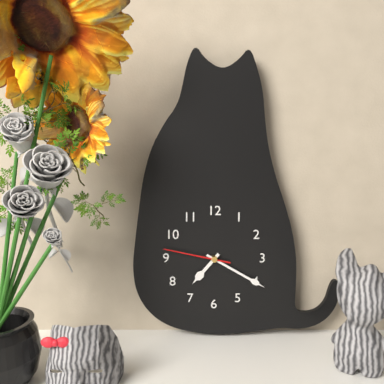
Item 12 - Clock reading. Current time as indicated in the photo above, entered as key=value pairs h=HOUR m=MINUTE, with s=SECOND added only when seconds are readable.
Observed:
h=7 m=20 s=47
